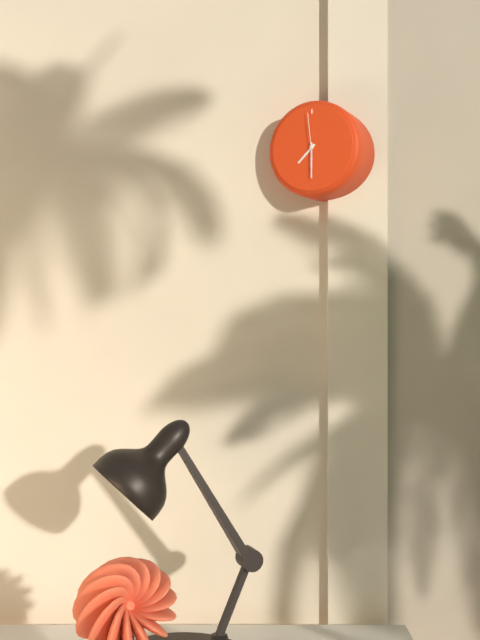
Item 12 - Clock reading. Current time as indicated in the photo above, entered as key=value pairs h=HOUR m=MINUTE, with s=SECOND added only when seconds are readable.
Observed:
h=7 m=30
